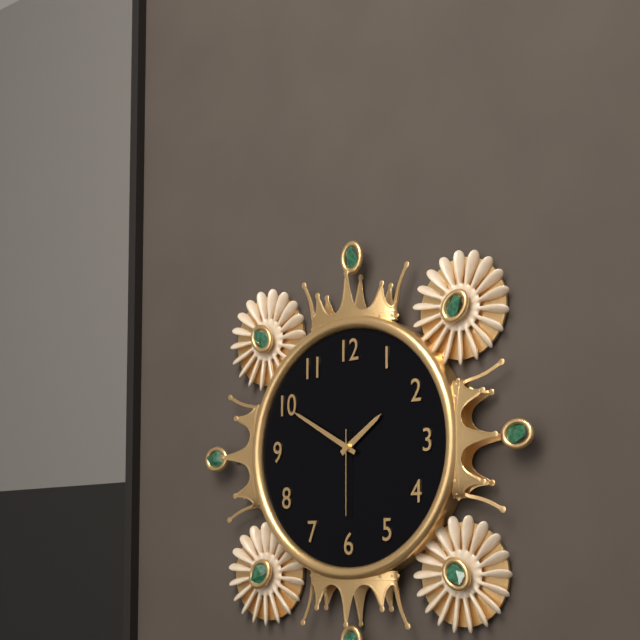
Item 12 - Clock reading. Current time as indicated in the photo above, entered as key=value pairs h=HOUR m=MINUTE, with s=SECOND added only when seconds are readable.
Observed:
h=1 m=50 s=30
